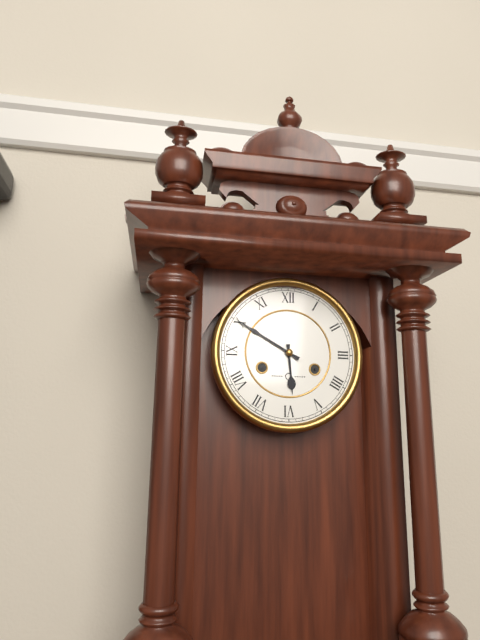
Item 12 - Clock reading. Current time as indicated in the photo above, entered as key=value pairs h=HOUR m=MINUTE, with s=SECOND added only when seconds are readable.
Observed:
h=5 m=50
